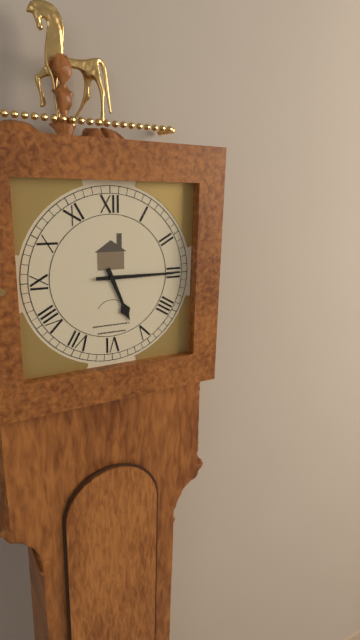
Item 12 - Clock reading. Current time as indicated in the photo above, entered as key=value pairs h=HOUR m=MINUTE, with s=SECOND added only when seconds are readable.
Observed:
h=5 m=15
